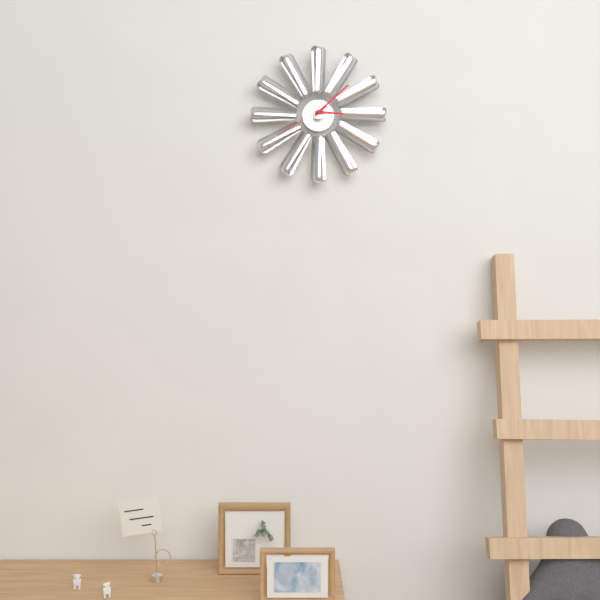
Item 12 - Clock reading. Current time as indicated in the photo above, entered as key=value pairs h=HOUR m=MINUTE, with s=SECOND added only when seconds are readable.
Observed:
h=3 m=8 s=40
